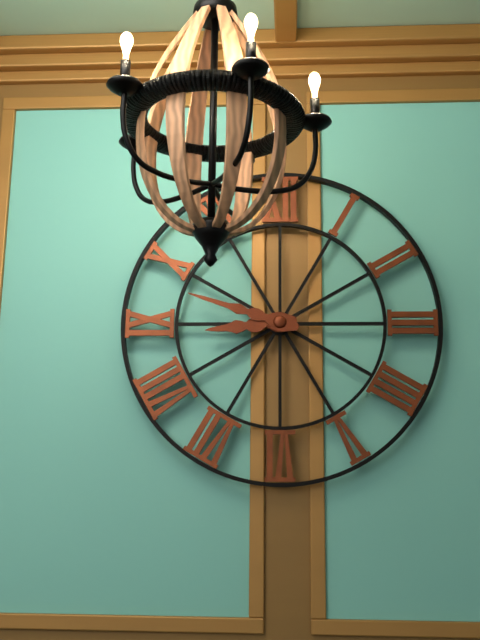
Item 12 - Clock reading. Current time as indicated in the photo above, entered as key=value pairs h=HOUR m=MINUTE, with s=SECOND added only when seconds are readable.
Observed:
h=8 m=48
